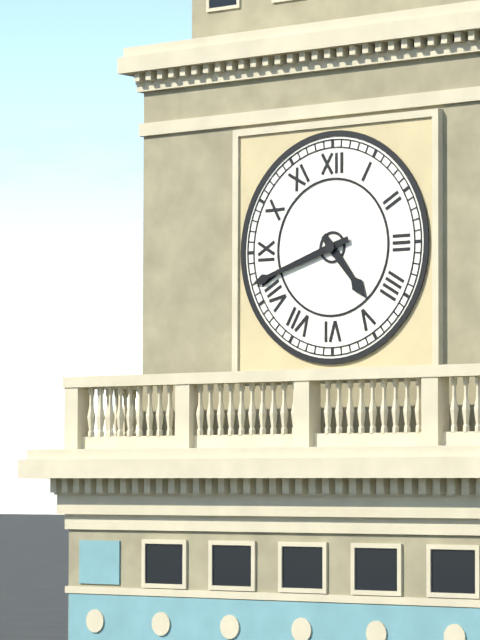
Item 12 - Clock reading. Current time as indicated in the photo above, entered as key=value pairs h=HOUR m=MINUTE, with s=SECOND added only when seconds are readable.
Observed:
h=4 m=42
